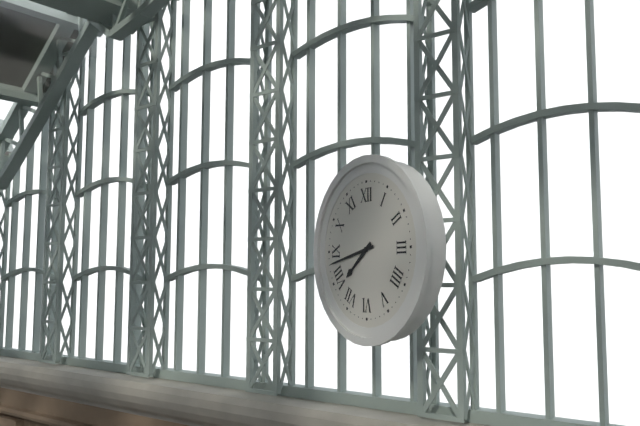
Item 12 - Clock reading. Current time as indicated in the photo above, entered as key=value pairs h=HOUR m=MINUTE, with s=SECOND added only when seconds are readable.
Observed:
h=7 m=43
